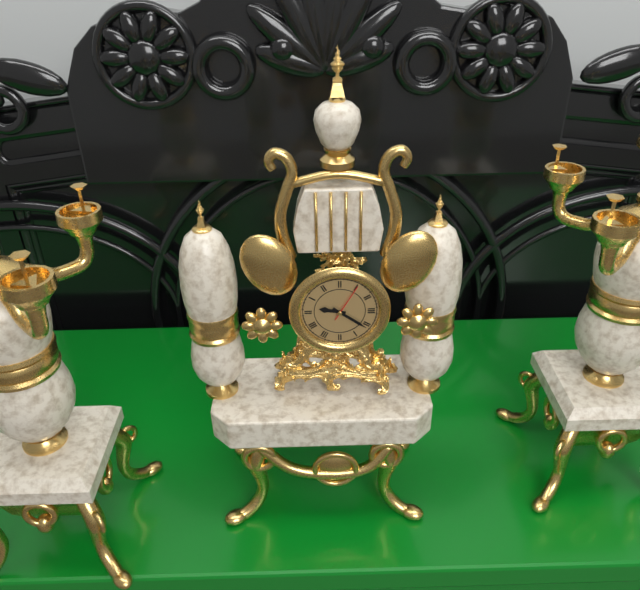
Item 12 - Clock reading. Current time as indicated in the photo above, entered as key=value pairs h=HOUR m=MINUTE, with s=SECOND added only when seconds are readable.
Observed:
h=9 m=21
